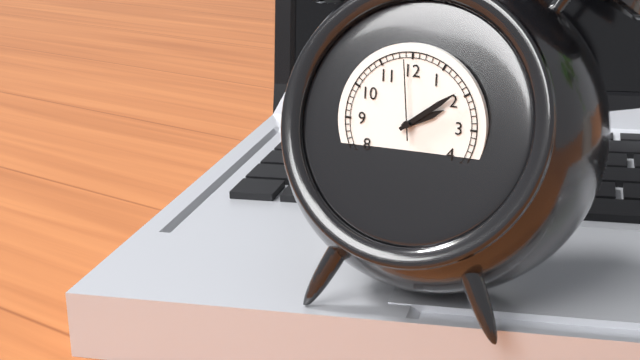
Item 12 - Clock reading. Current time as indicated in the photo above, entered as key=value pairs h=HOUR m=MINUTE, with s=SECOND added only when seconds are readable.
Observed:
h=2 m=9 s=59
